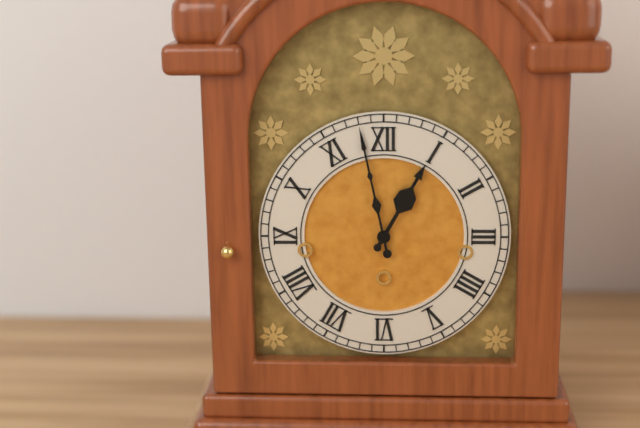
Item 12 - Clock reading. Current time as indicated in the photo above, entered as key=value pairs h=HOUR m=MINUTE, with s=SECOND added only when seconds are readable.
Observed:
h=12 m=58
